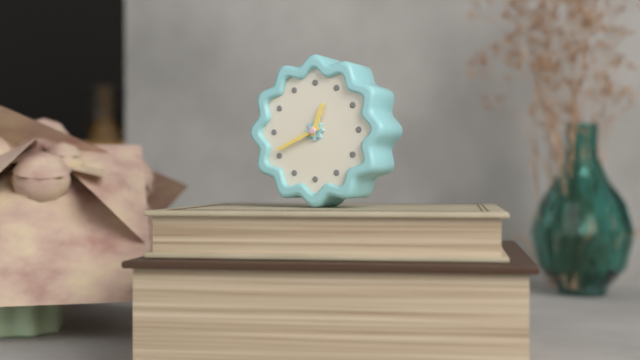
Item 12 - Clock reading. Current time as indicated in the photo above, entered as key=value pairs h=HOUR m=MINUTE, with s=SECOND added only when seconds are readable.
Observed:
h=12 m=41
